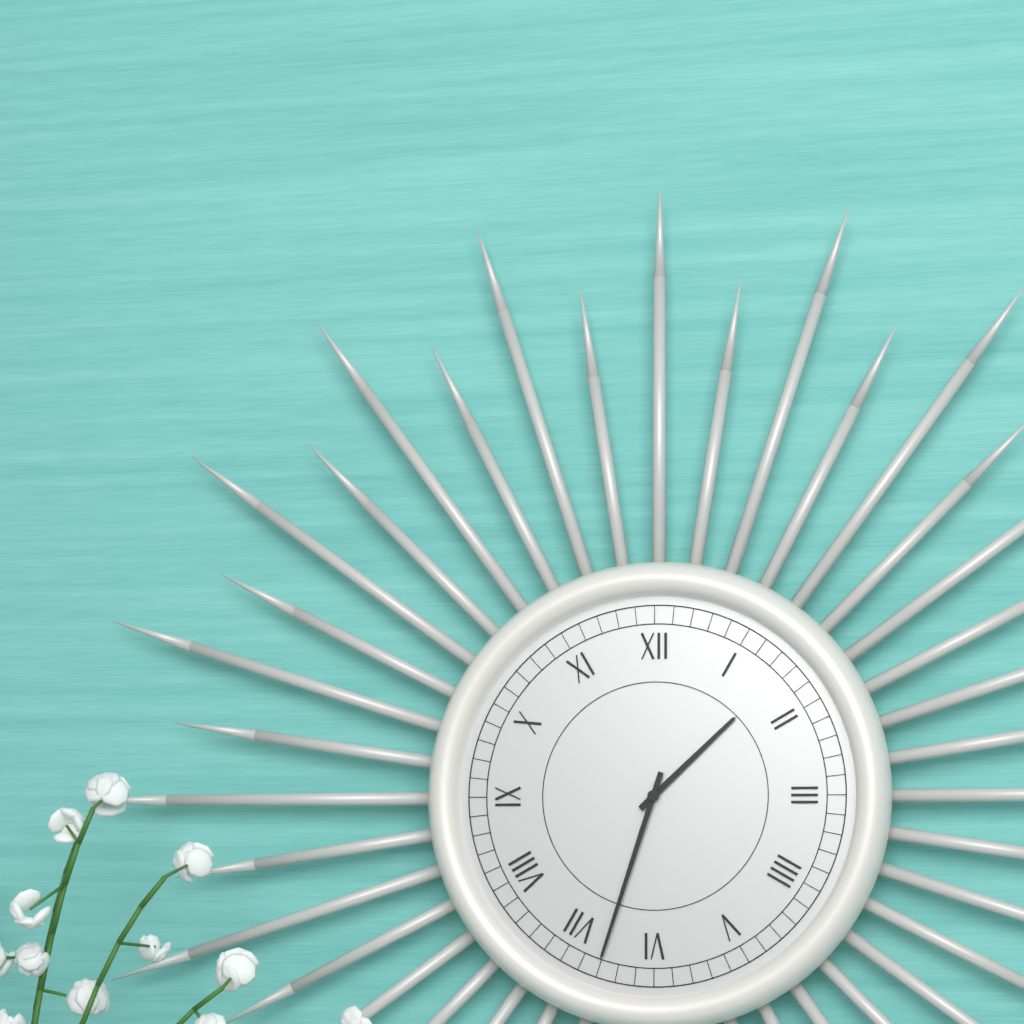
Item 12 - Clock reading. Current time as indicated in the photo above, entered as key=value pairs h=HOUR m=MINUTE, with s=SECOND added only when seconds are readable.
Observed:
h=1 m=33
